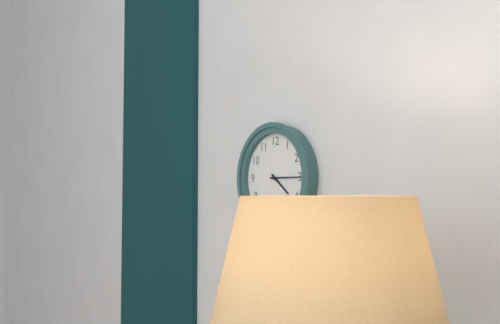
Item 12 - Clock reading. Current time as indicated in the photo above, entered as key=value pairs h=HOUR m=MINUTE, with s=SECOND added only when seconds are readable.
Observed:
h=4 m=15
